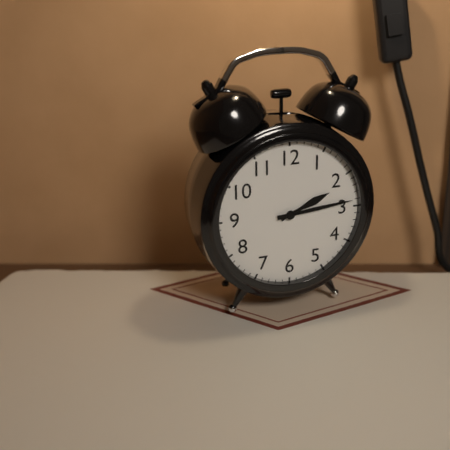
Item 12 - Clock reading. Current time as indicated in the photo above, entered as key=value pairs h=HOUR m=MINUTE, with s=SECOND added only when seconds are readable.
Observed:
h=2 m=14
